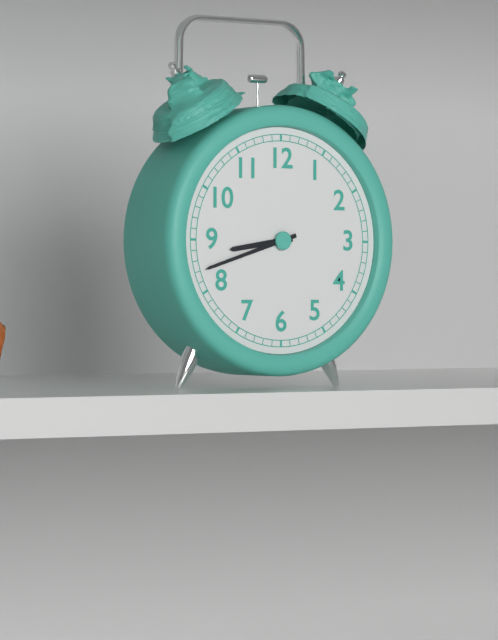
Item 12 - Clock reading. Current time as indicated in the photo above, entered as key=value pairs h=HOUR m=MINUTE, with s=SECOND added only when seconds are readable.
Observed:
h=8 m=42
